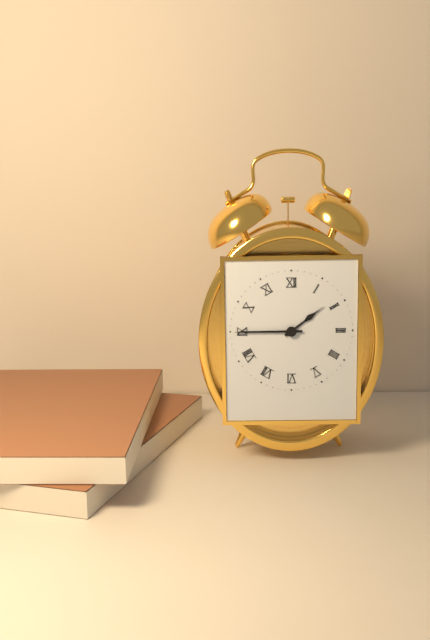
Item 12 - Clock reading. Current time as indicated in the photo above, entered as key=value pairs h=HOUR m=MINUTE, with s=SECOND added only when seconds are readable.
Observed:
h=1 m=45
